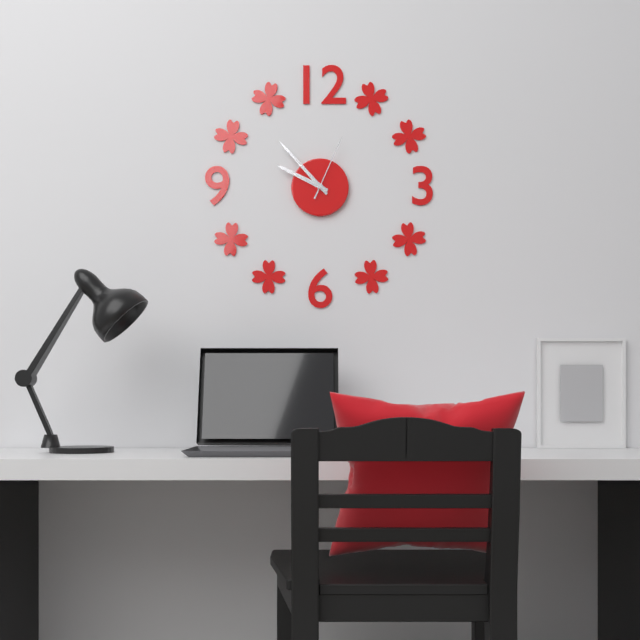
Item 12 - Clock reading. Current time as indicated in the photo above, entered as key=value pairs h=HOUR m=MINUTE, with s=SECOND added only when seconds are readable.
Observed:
h=9 m=53 s=4
